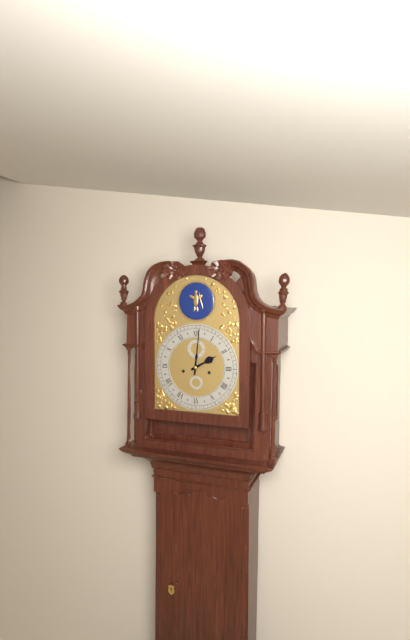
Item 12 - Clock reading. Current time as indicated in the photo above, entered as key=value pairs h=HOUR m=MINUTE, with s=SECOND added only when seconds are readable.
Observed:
h=2 m=1
